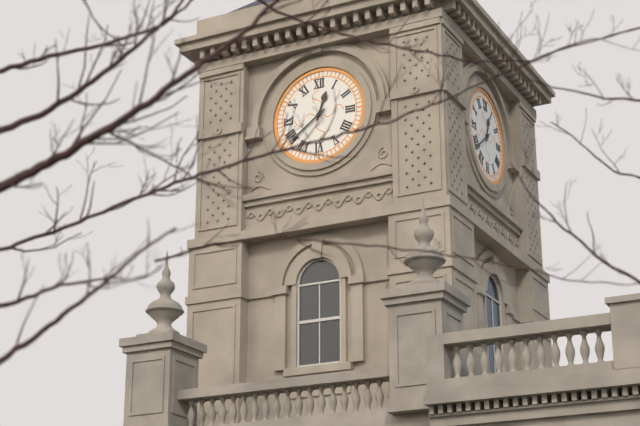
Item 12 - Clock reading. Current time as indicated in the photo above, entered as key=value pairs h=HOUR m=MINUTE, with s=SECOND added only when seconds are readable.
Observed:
h=12 m=39
